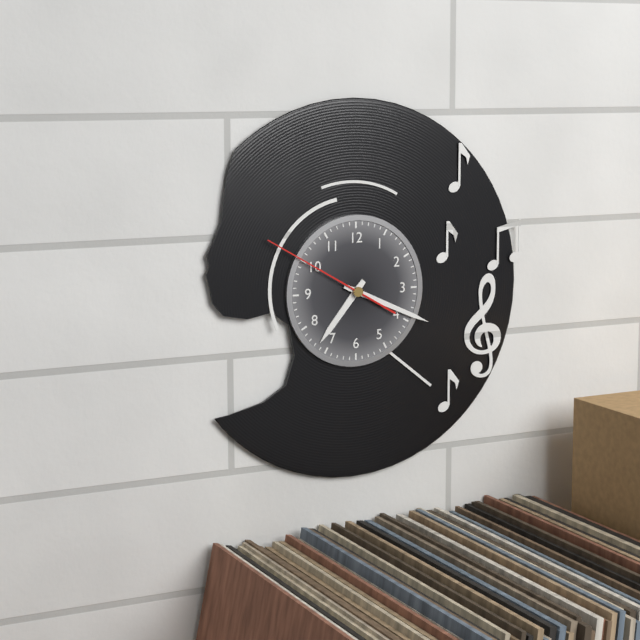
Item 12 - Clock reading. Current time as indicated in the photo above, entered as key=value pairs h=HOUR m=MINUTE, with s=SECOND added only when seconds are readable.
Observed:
h=7 m=19 s=50
